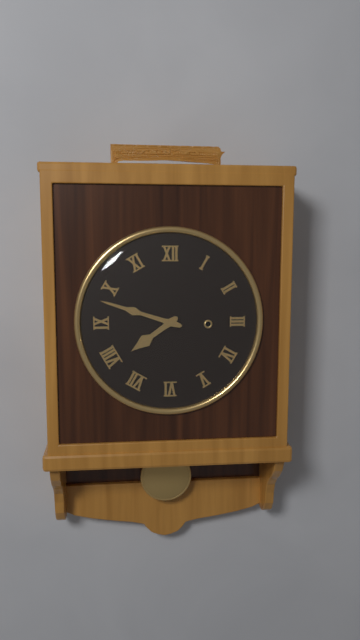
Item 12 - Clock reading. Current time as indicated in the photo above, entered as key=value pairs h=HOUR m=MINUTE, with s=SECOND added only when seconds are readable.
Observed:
h=7 m=48
